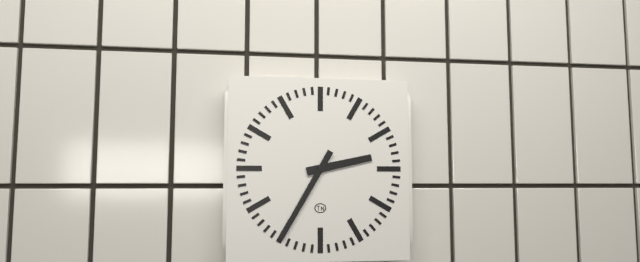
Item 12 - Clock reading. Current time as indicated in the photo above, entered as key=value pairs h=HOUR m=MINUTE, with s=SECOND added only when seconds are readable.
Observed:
h=2 m=35
